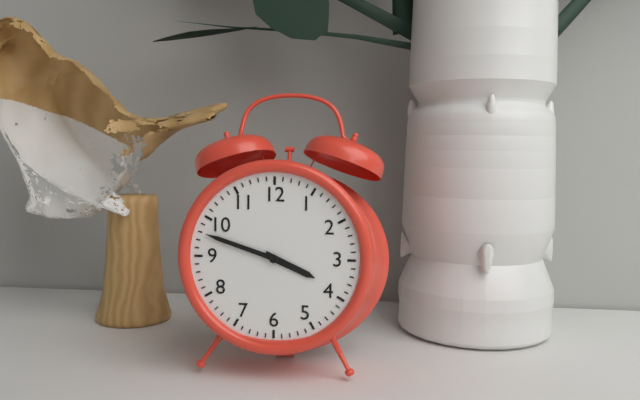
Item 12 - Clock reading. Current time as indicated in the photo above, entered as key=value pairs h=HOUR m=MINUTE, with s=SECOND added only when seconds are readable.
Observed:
h=3 m=48
